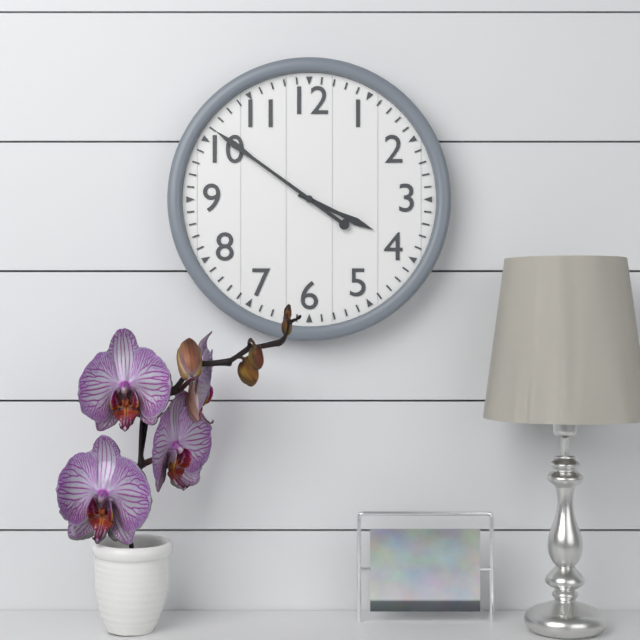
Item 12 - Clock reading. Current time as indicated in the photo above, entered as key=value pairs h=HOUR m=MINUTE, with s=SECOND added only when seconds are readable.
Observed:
h=3 m=51
